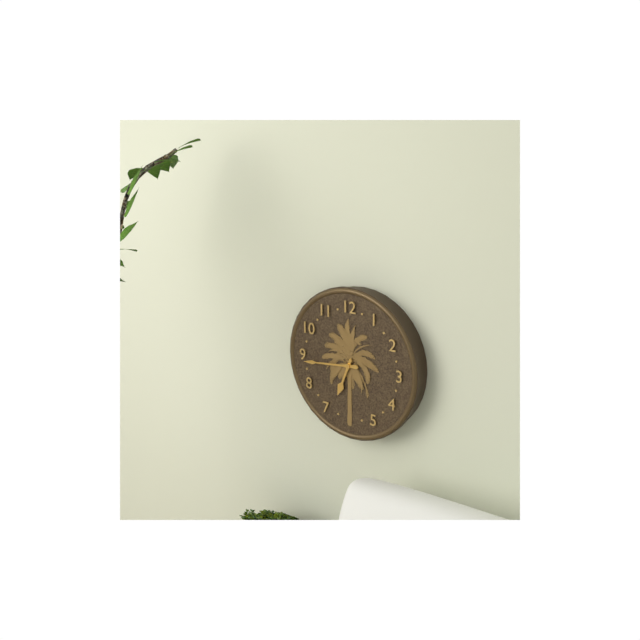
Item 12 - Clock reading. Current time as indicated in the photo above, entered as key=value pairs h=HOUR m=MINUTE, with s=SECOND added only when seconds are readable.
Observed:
h=6 m=44
